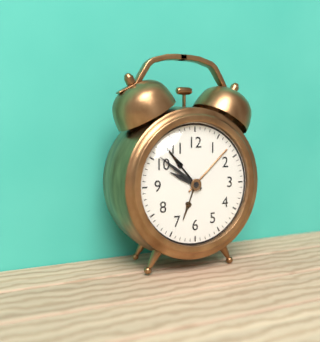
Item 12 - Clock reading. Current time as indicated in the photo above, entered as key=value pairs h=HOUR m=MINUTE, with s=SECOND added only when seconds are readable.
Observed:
h=9 m=51
